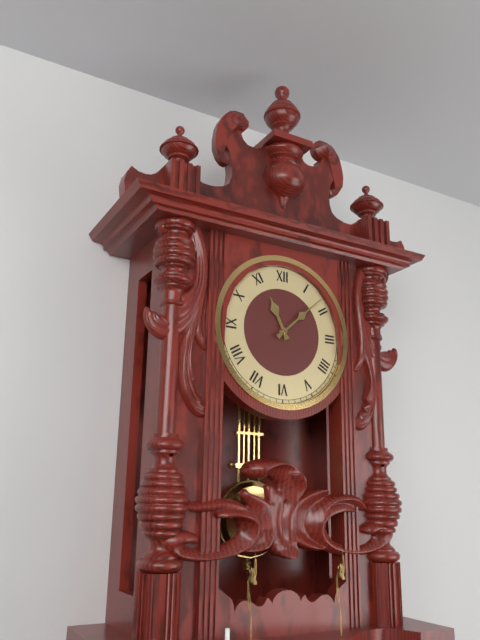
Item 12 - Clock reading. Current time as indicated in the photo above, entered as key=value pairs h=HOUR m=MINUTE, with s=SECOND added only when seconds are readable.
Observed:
h=11 m=8
